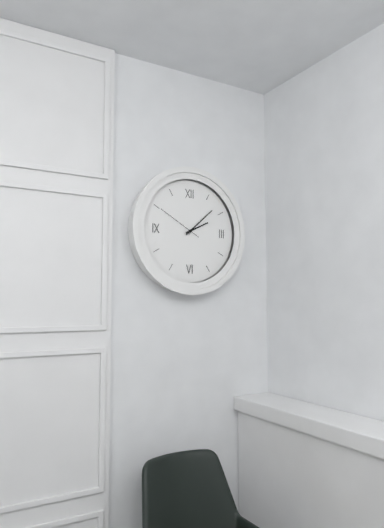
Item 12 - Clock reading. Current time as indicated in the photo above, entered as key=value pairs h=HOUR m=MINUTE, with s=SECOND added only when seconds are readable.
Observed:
h=2 m=8
